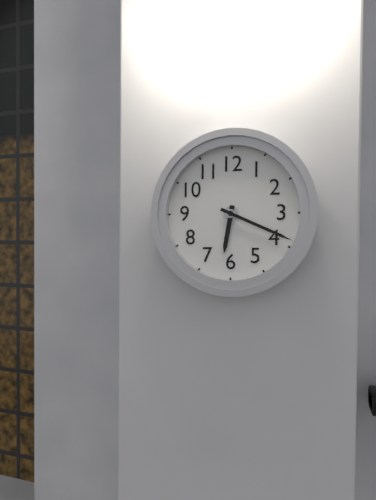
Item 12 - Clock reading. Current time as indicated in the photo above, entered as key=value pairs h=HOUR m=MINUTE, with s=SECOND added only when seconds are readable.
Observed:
h=6 m=19
